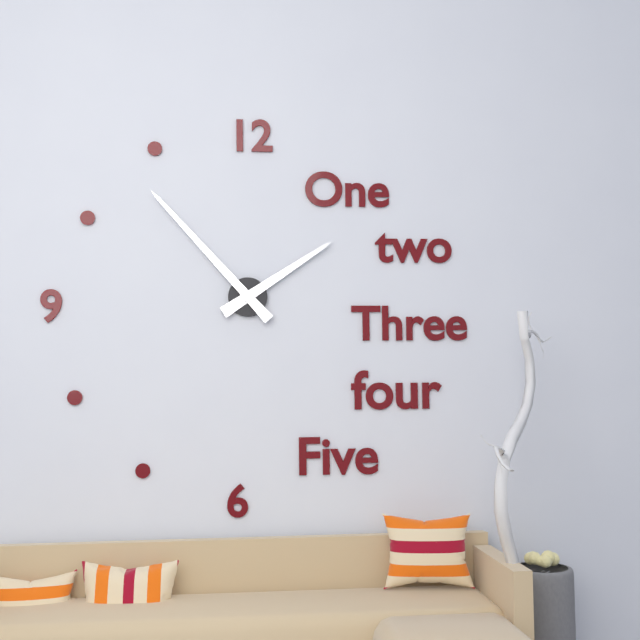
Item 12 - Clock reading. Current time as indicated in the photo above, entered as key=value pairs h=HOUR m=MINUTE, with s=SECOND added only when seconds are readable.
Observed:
h=1 m=53
